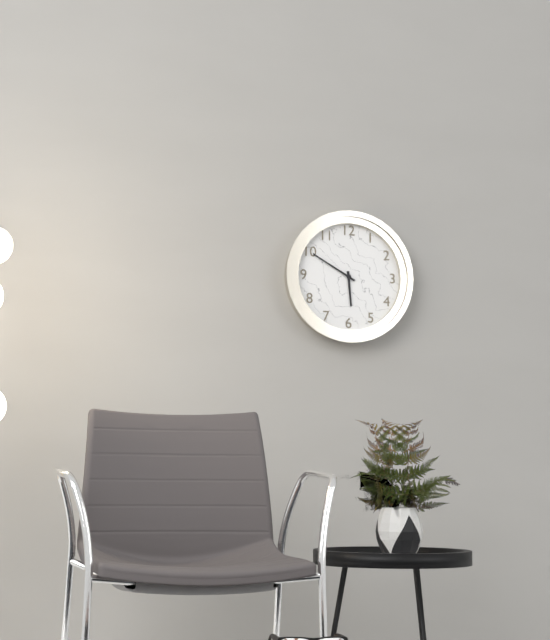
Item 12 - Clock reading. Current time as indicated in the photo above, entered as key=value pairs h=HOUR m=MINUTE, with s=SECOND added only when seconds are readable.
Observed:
h=5 m=50
